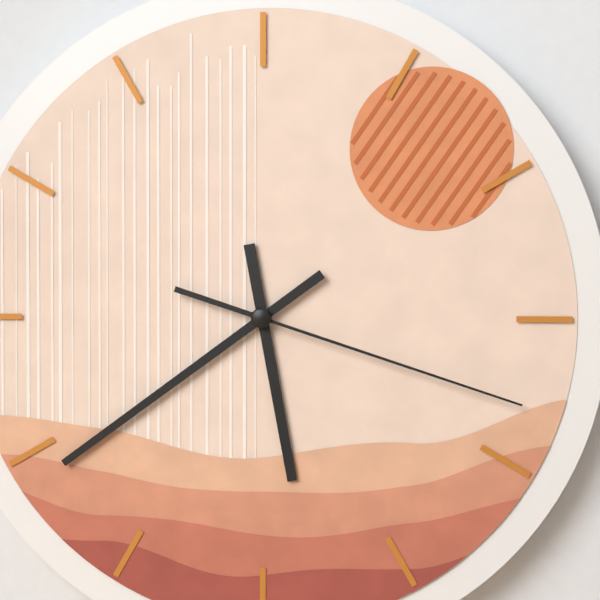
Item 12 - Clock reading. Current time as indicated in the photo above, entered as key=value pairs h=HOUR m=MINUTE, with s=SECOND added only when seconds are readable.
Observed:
h=5 m=39 s=18
